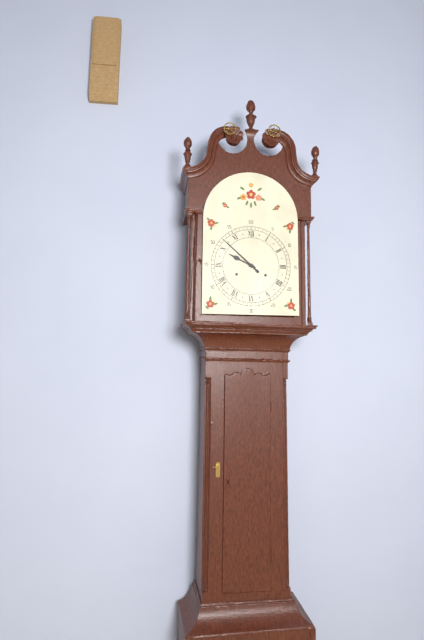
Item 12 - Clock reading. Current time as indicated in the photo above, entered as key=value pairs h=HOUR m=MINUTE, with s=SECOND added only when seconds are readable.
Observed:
h=9 m=52
